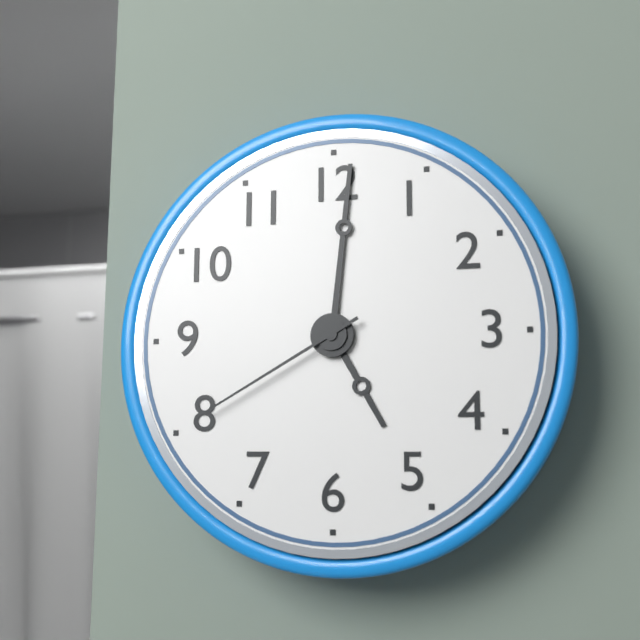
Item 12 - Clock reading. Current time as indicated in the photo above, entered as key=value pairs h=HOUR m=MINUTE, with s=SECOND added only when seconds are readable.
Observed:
h=5 m=1 s=40
